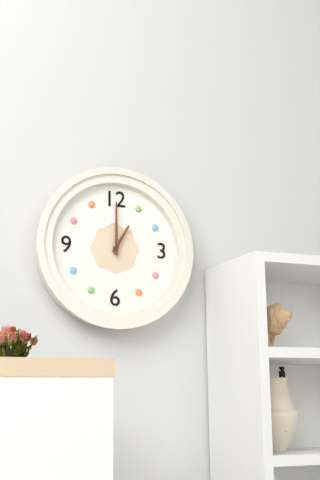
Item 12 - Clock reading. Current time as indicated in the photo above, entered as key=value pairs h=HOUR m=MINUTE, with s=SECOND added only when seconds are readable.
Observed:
h=1 m=0
